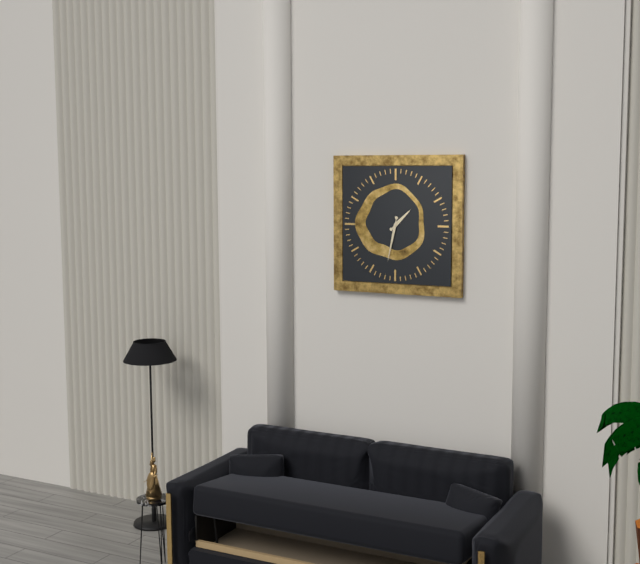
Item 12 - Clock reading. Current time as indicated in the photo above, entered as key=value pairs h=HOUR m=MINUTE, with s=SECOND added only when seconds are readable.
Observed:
h=1 m=32
